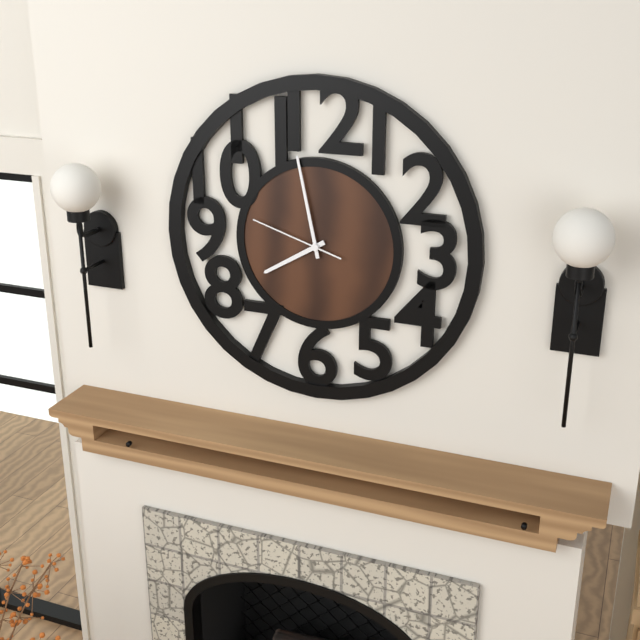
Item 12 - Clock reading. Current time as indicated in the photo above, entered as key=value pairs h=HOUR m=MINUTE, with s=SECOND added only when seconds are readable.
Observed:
h=7 m=58 s=48
